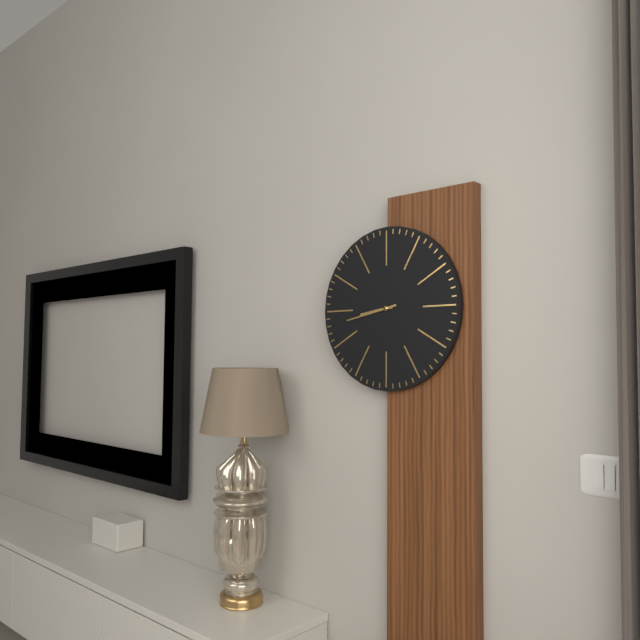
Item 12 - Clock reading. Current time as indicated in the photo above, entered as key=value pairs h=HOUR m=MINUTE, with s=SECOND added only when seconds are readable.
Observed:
h=8 m=43
